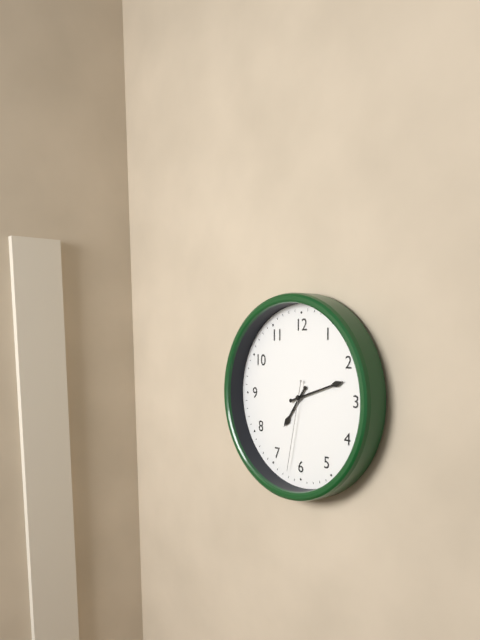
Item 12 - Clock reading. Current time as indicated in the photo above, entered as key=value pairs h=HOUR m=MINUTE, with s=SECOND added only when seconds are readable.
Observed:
h=7 m=12 s=32
